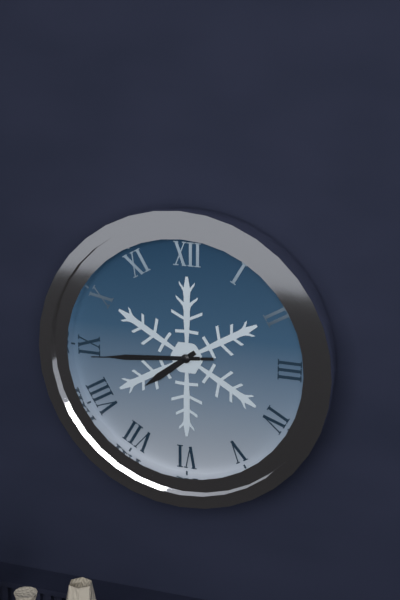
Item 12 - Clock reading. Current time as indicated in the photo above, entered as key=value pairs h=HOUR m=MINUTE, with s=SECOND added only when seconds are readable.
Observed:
h=7 m=44 s=44
